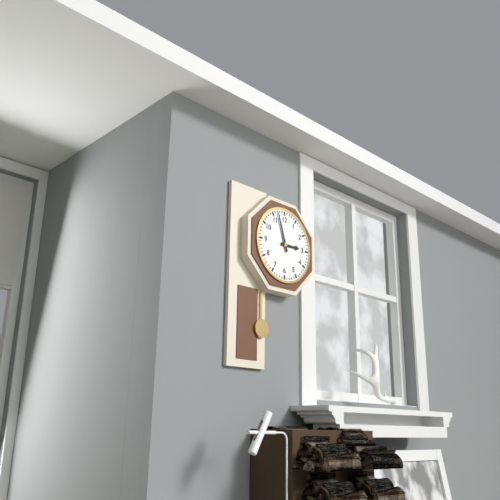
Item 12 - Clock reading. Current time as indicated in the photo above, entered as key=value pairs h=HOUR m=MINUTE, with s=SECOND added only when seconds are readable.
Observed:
h=2 m=57
